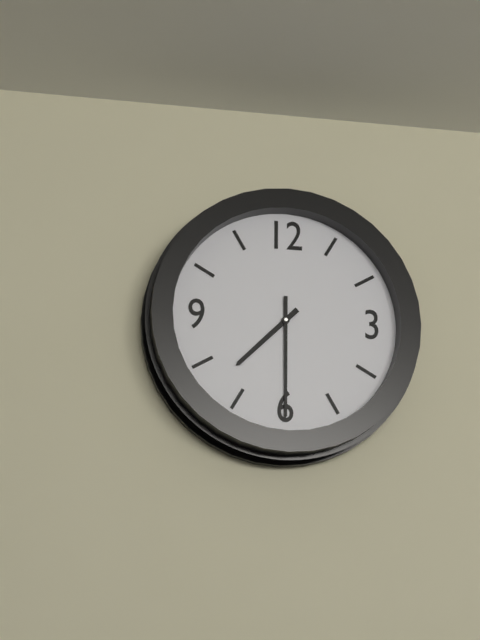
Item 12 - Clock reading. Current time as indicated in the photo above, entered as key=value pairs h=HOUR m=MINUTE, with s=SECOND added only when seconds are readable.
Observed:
h=7 m=30
